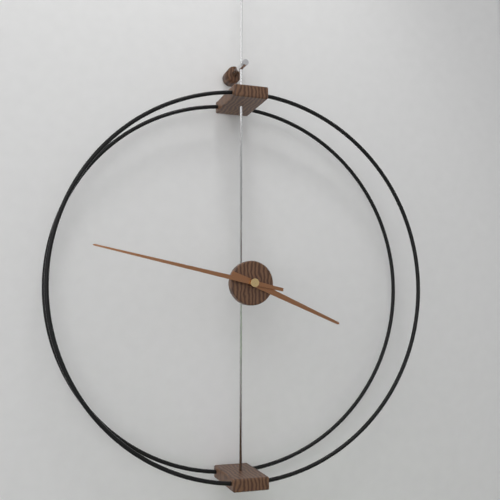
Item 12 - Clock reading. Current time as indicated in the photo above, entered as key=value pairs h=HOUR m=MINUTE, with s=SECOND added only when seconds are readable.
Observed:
h=3 m=47
